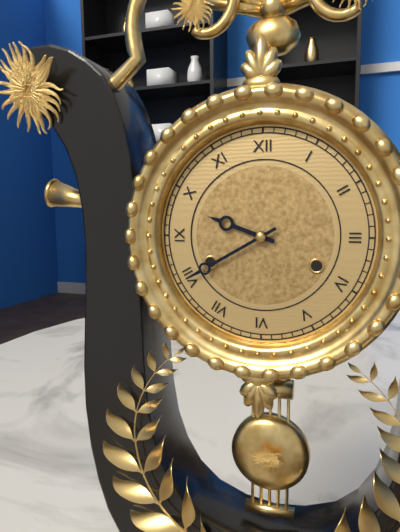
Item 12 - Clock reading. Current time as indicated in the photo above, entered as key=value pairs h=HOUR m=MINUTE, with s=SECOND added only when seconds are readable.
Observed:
h=9 m=40
